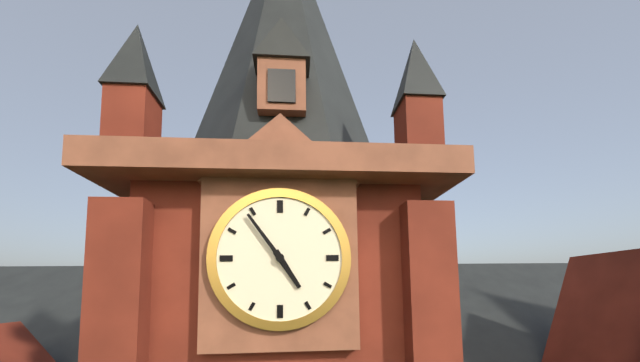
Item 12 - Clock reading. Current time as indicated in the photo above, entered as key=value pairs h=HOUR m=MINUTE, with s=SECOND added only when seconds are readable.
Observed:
h=4 m=54
